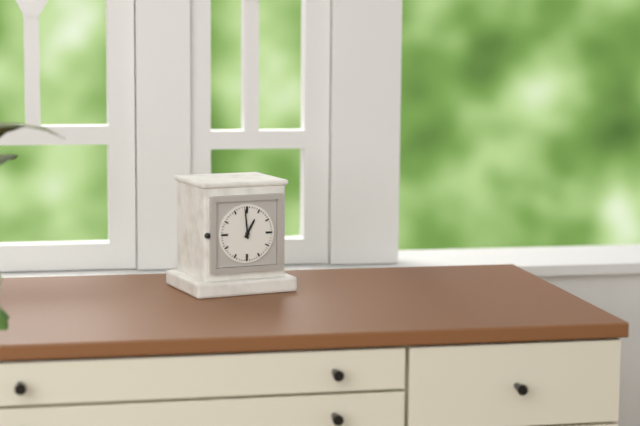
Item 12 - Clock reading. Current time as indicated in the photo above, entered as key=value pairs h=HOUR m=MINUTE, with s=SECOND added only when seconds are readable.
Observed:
h=12 m=59
